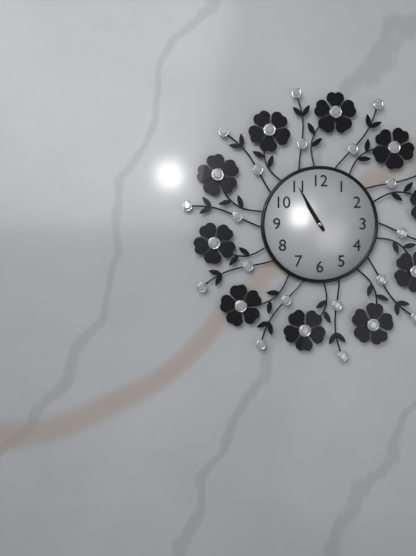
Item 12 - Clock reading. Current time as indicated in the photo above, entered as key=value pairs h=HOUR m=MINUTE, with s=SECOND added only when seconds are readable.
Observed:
h=10 m=55
